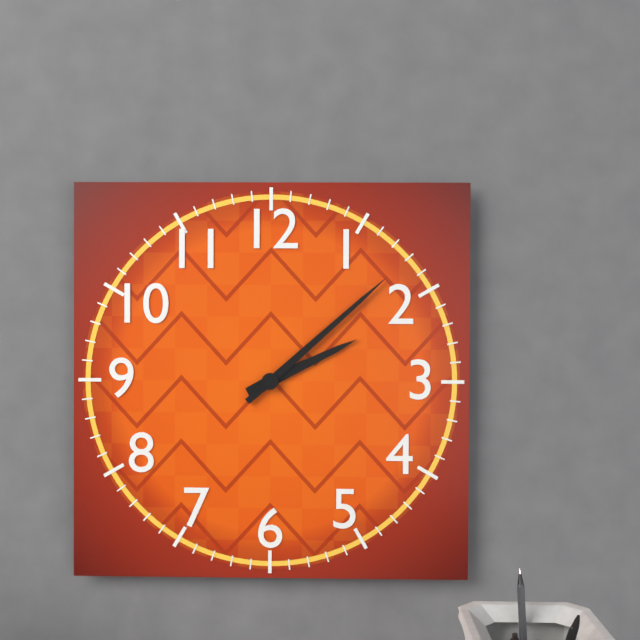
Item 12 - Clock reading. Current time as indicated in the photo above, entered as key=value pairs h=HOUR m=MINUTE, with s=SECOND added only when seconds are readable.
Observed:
h=2 m=8
